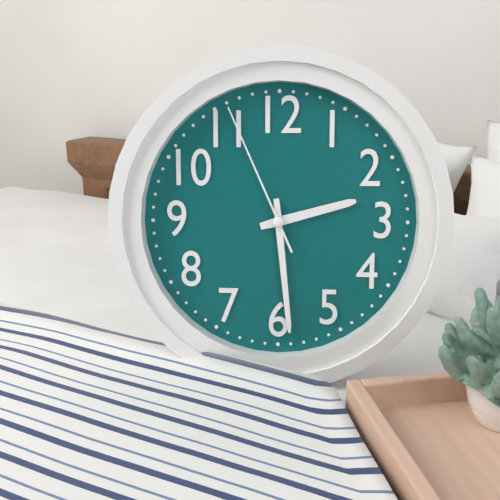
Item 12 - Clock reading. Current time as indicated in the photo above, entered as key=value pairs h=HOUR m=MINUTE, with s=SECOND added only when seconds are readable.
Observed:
h=2 m=29 s=56
